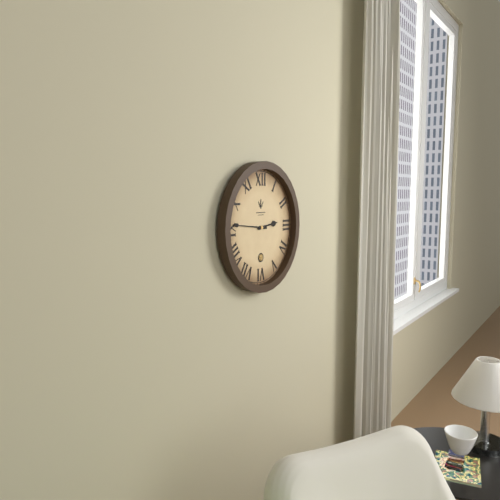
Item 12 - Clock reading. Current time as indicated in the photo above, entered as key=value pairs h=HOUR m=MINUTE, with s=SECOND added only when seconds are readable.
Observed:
h=2 m=46
